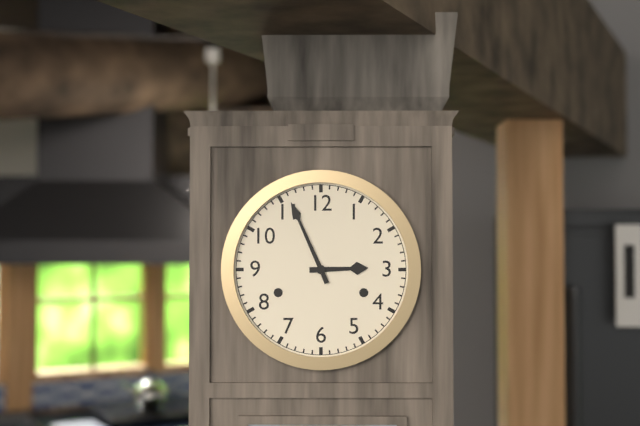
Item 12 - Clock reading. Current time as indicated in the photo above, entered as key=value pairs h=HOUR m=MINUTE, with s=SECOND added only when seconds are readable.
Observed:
h=2 m=56
